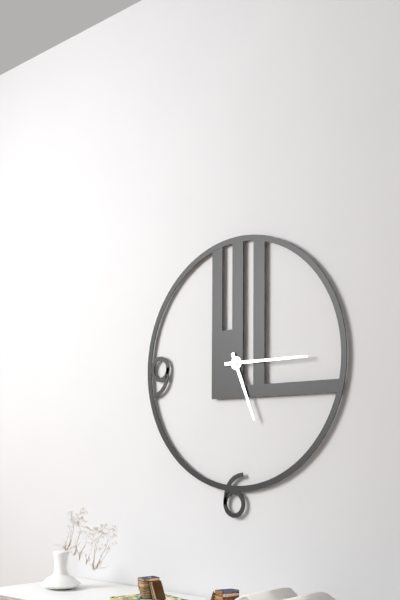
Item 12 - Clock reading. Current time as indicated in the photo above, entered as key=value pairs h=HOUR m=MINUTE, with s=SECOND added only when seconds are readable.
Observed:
h=5 m=15
